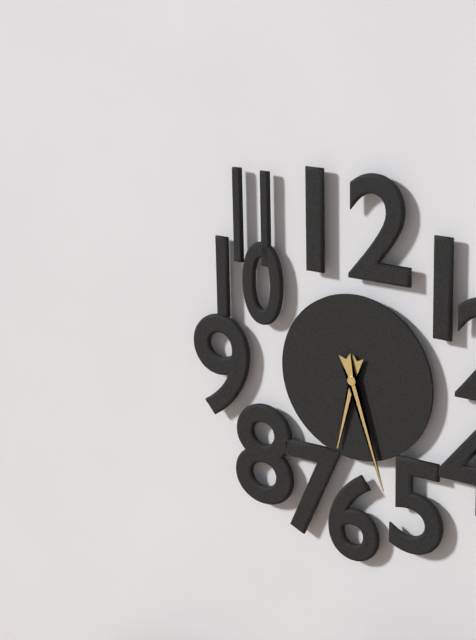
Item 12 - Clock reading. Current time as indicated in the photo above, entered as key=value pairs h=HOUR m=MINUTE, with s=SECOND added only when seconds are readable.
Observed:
h=6 m=27
